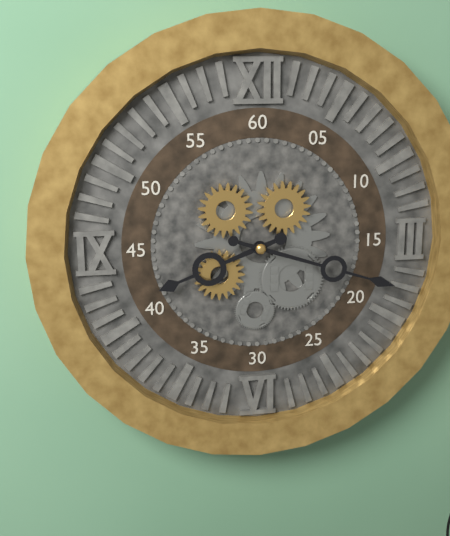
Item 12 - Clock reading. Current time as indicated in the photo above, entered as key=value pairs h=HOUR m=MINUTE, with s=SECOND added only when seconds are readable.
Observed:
h=8 m=18
